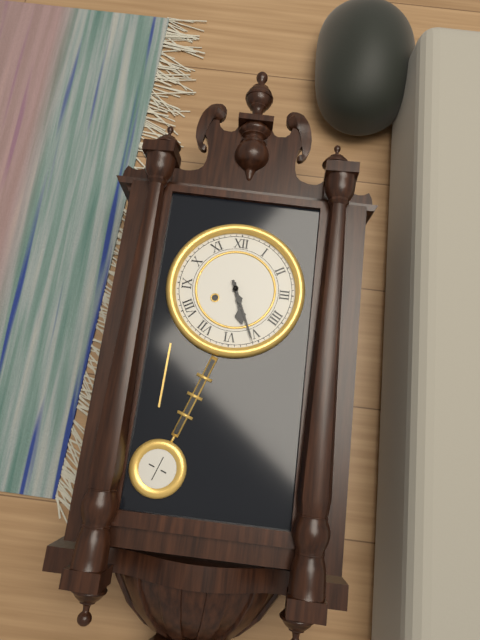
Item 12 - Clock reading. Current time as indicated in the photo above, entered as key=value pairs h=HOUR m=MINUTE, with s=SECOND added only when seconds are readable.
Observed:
h=5 m=26
